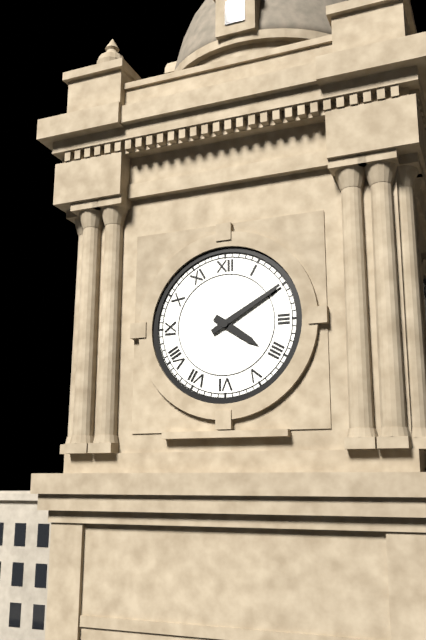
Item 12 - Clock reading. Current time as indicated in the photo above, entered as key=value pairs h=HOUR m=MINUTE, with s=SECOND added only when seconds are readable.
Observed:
h=4 m=10
